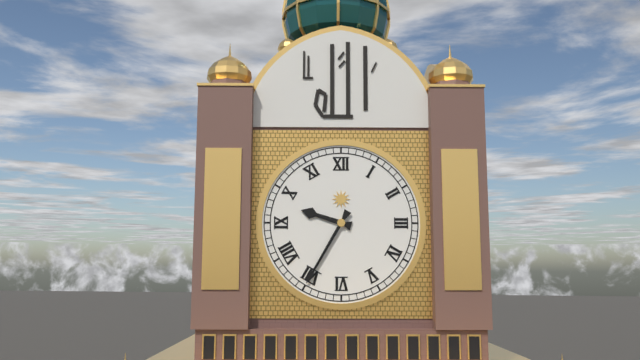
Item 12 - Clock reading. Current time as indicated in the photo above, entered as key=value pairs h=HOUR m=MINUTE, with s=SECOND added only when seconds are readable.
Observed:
h=9 m=35
